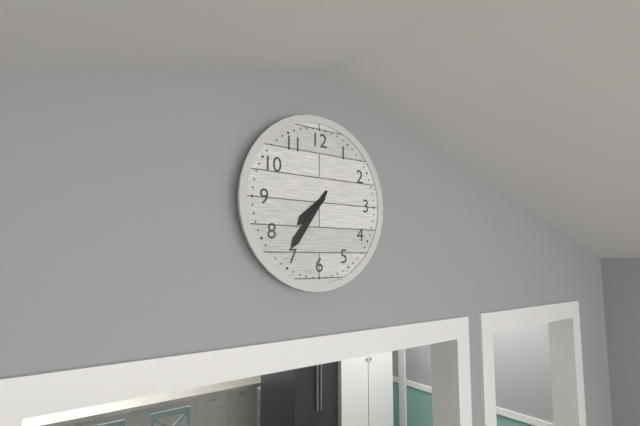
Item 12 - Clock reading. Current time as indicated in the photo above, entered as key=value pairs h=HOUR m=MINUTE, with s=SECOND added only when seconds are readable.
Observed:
h=7 m=36
